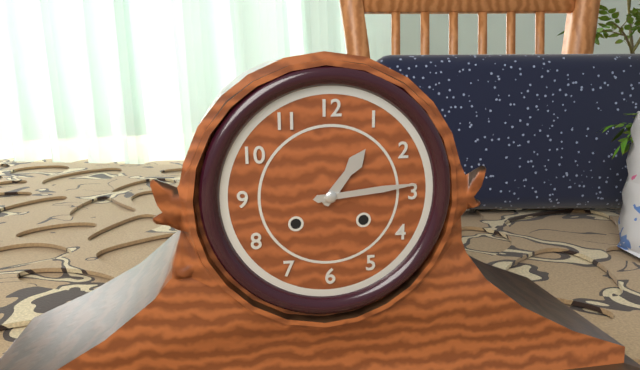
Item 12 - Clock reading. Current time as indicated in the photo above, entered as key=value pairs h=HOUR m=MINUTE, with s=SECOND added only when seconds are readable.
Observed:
h=1 m=14
